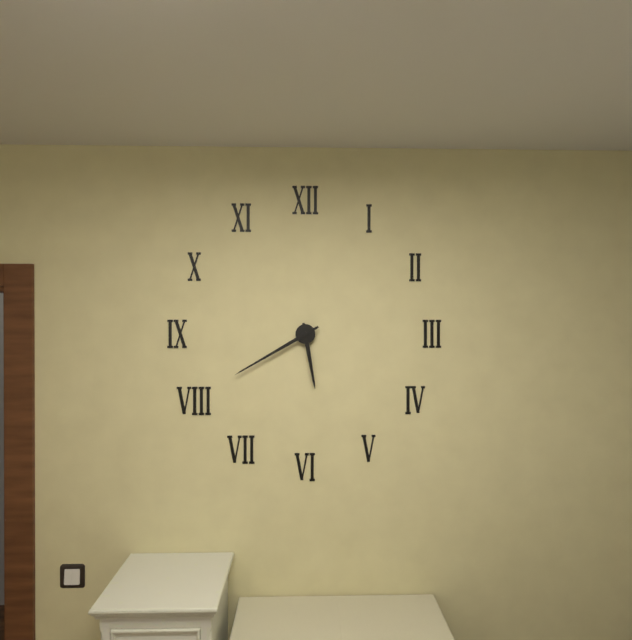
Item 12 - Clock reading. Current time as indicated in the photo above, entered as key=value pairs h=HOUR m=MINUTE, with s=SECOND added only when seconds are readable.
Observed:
h=5 m=40
